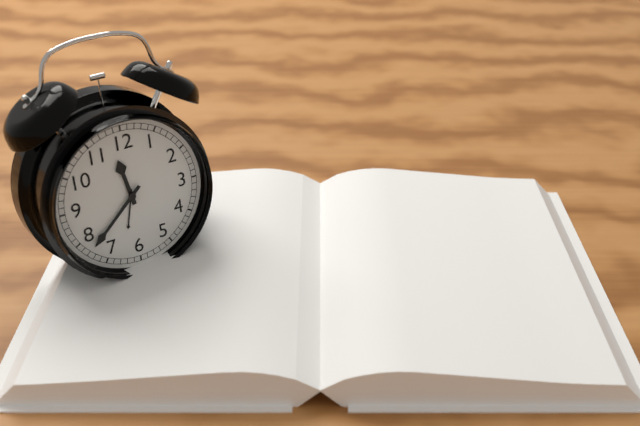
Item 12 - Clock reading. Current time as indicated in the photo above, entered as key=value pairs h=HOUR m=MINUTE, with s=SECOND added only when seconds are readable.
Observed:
h=11 m=38
